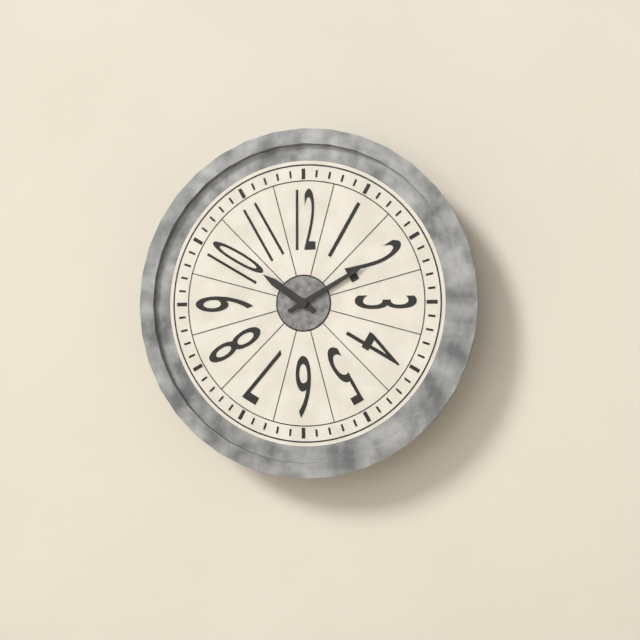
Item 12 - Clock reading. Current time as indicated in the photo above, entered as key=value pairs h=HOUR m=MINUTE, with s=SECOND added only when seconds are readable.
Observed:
h=10 m=10
